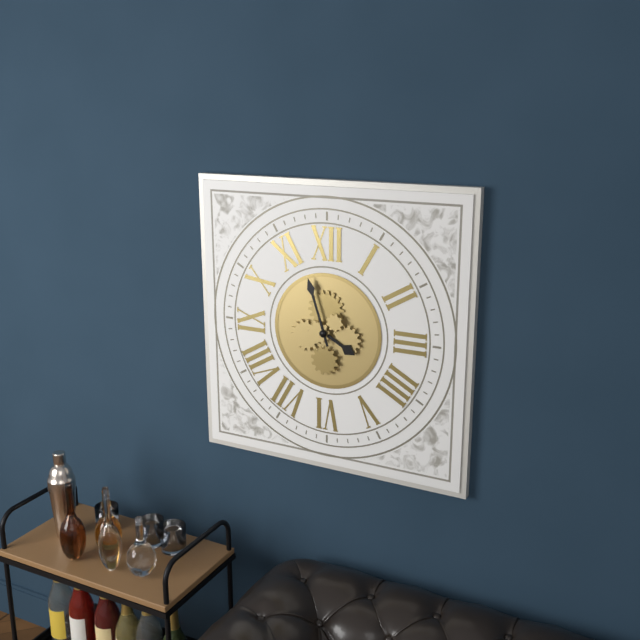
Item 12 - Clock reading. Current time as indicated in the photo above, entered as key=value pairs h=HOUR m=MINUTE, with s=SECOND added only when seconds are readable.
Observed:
h=3 m=57
